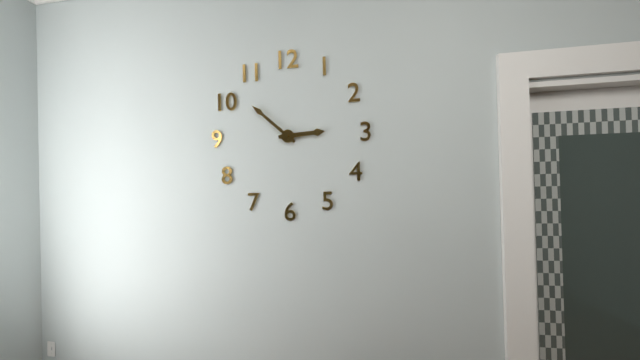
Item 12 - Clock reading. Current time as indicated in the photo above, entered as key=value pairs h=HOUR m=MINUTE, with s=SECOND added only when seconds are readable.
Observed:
h=2 m=52
